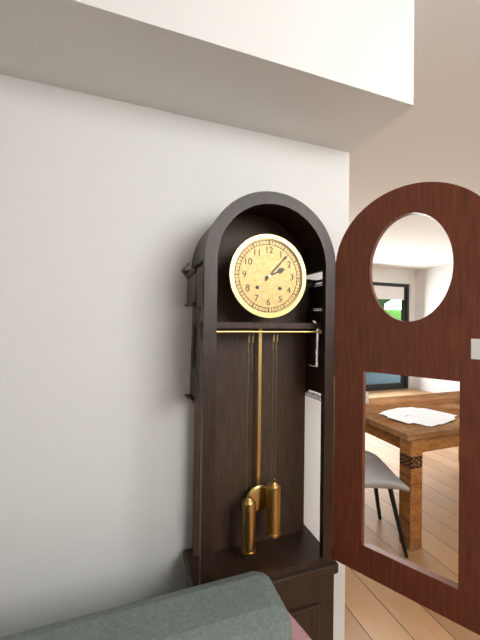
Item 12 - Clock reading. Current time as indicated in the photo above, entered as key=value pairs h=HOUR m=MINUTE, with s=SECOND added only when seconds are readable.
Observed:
h=2 m=7
